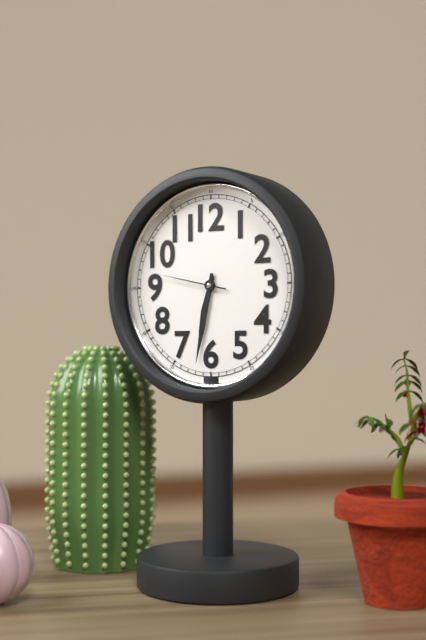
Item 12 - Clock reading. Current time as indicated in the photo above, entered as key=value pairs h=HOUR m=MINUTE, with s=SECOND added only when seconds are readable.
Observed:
h=6 m=32 s=47
